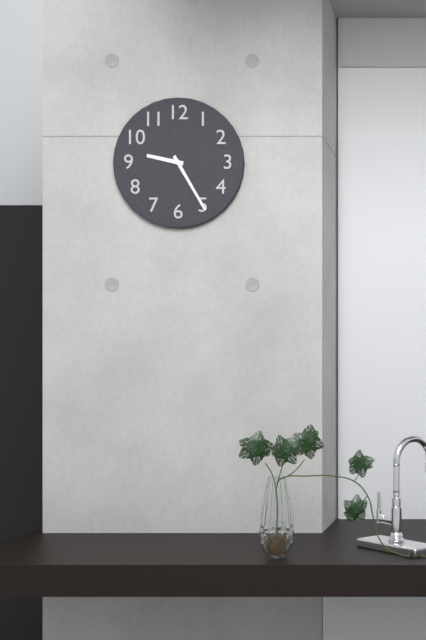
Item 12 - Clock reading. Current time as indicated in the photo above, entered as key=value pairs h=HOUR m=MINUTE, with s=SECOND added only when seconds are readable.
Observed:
h=9 m=25
